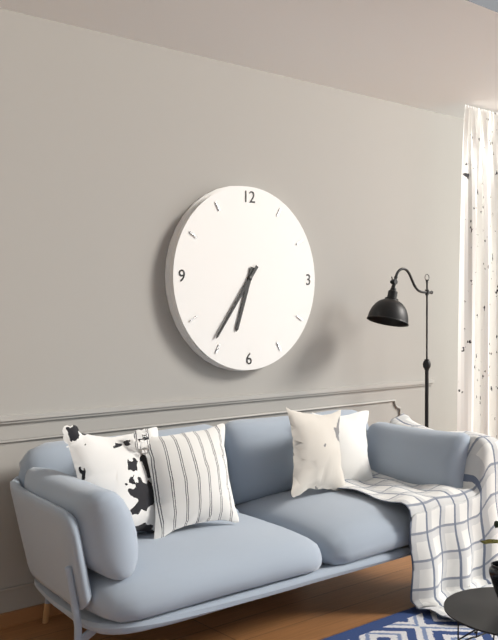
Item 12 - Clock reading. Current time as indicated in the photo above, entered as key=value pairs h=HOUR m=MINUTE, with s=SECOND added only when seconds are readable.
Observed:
h=6 m=36
